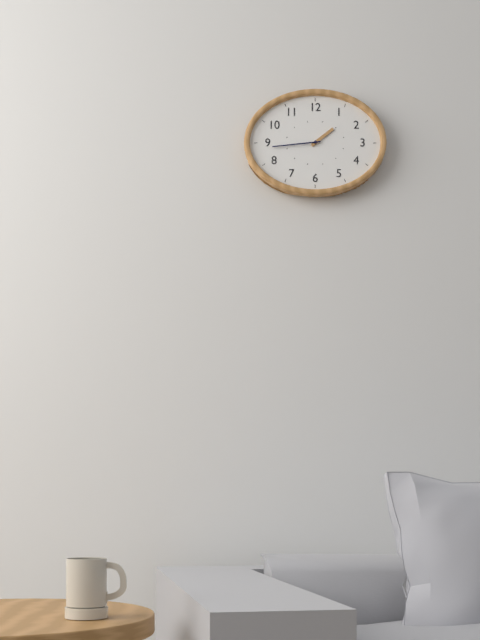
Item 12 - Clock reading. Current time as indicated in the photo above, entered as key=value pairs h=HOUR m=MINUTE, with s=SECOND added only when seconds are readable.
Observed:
h=1 m=44
